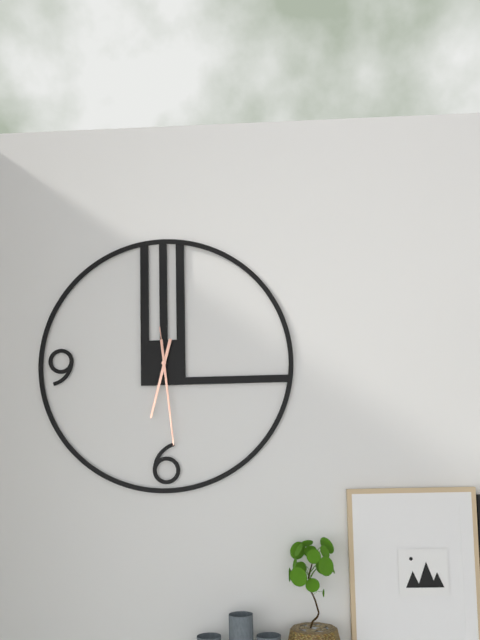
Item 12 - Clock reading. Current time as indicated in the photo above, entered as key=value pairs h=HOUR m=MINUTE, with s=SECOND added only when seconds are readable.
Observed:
h=6 m=29 s=29
